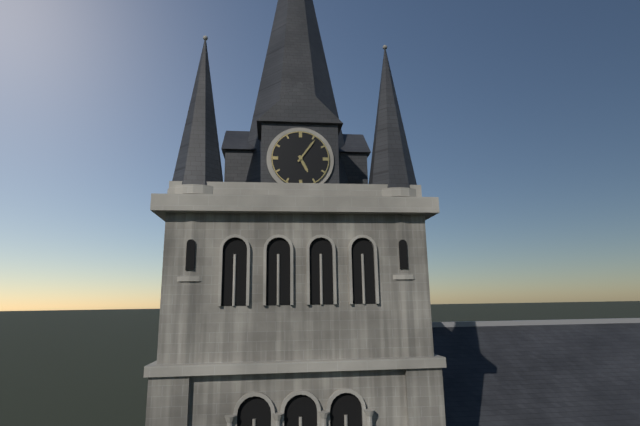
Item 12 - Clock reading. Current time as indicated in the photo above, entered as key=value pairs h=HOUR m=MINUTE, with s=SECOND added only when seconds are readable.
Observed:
h=5 m=6
